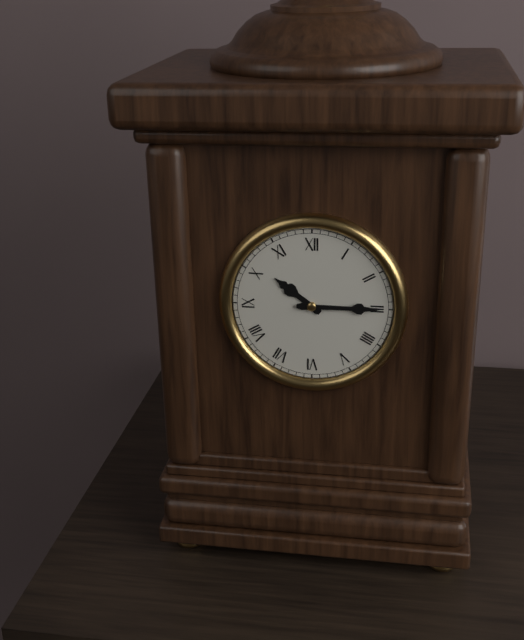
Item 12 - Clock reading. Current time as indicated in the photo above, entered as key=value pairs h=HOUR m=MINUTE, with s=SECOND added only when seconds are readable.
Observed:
h=10 m=15
